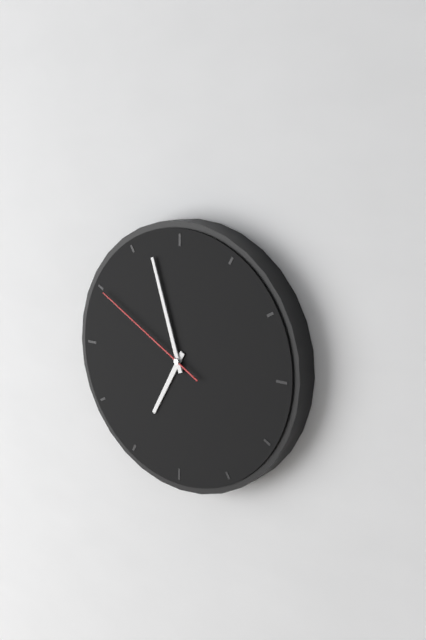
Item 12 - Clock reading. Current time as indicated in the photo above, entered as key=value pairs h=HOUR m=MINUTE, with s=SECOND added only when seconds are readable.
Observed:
h=6 m=57 s=50
